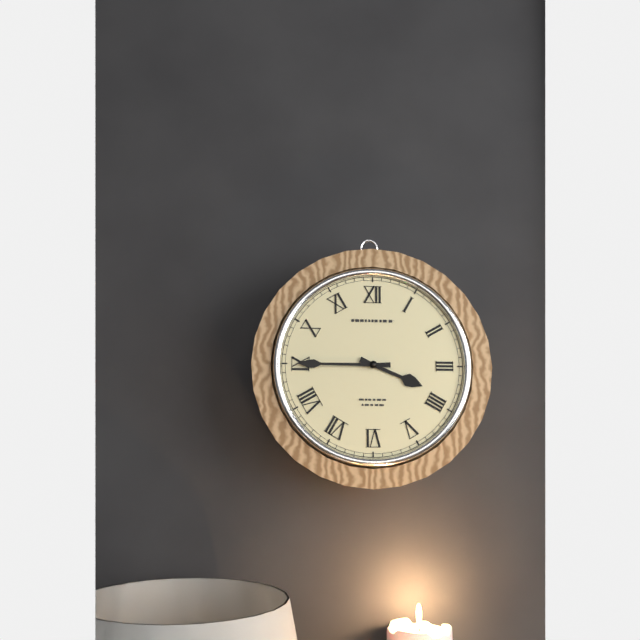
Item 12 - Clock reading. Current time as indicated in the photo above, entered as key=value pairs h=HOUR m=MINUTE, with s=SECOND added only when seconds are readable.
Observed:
h=3 m=45
